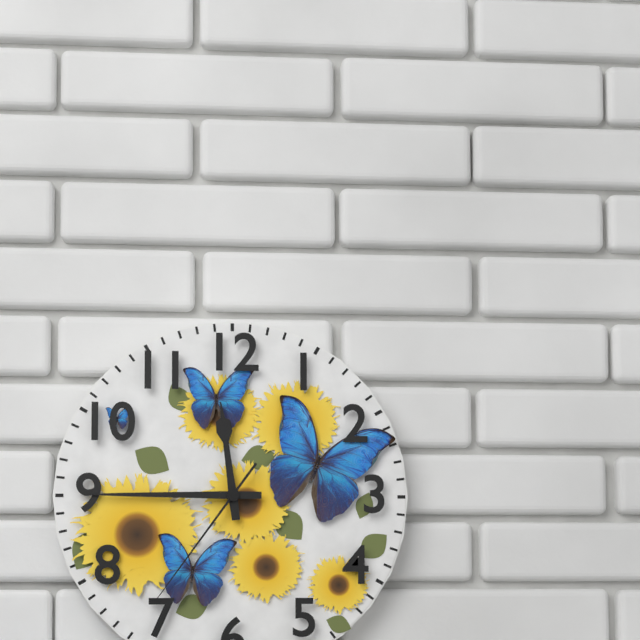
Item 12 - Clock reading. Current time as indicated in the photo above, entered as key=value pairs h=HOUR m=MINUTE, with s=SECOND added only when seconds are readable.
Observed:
h=11 m=45 s=36
